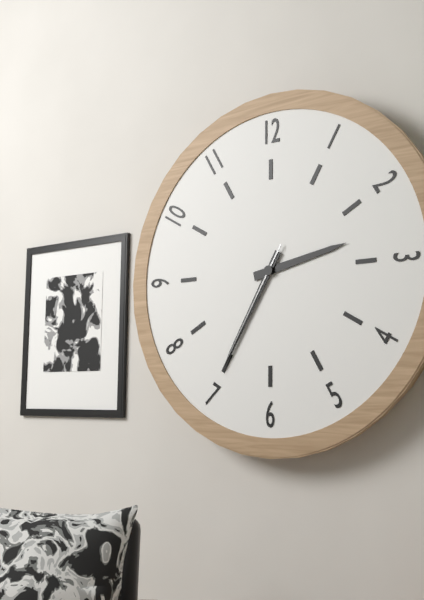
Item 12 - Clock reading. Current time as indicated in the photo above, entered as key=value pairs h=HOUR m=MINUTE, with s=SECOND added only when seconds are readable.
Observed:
h=2 m=35 s=35
